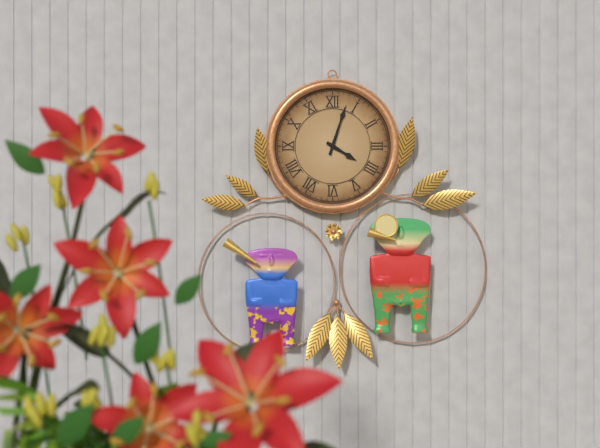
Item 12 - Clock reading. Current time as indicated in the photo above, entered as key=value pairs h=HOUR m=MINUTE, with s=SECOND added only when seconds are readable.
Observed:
h=4 m=3
